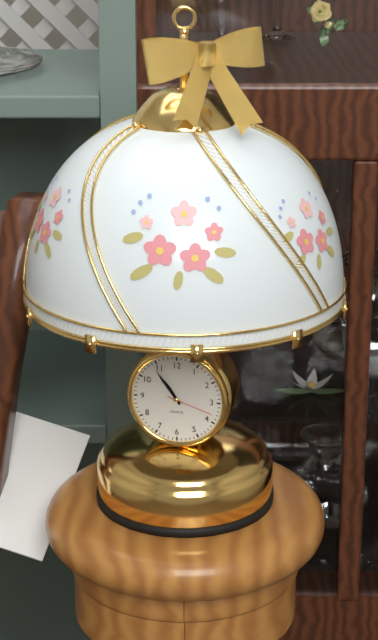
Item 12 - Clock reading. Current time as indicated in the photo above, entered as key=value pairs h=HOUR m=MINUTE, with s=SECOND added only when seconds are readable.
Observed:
h=10 m=54
